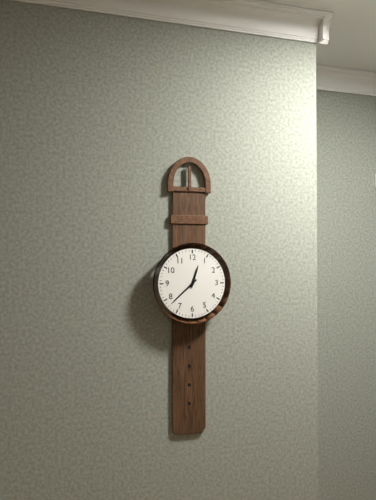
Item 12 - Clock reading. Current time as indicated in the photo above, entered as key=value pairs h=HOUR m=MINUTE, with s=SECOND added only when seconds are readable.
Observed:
h=12 m=38
